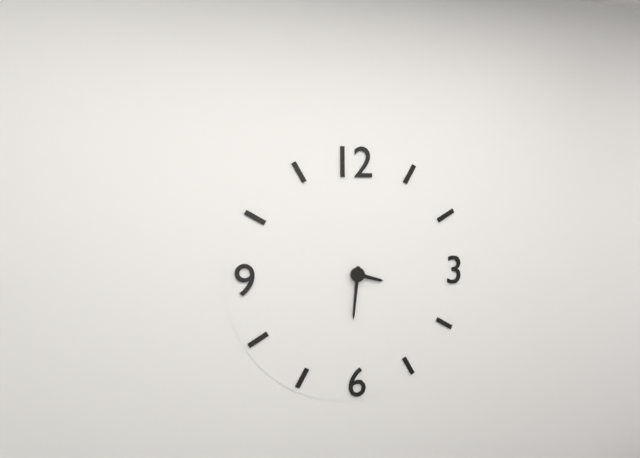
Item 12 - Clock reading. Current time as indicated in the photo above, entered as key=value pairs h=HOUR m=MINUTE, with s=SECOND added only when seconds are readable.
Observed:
h=3 m=31
